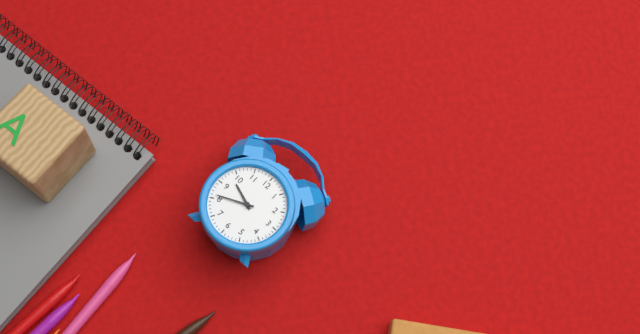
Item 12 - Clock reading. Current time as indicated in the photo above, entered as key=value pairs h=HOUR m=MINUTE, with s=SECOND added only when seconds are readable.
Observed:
h=9 m=41
